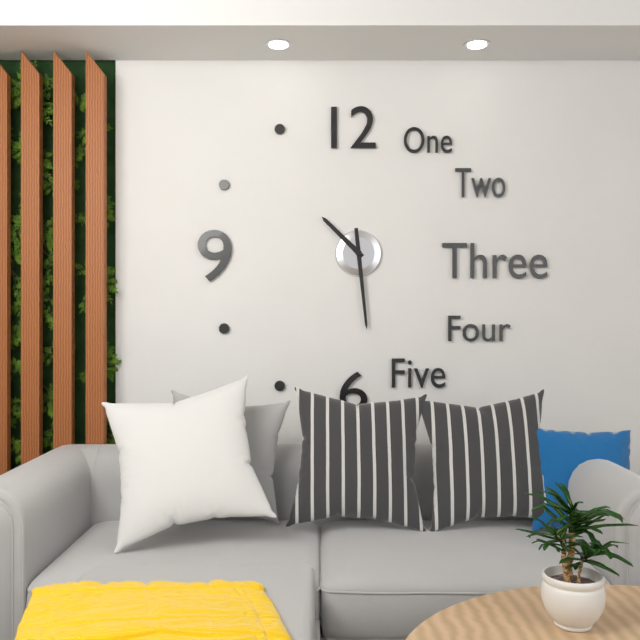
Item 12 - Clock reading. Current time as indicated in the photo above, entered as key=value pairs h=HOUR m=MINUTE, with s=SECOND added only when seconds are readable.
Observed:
h=10 m=29
